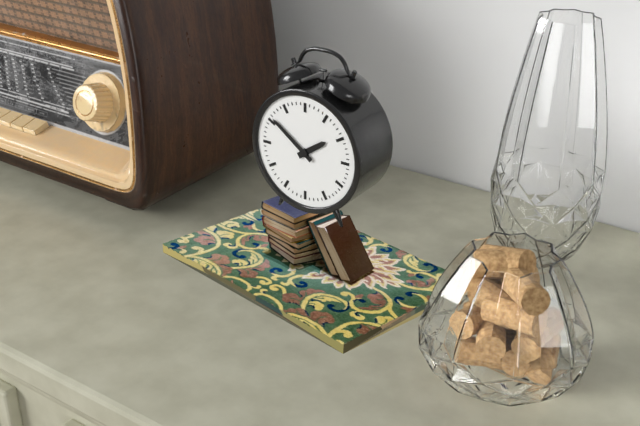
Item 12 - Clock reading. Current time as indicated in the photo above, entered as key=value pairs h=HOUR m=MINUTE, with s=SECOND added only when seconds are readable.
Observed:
h=1 m=51
